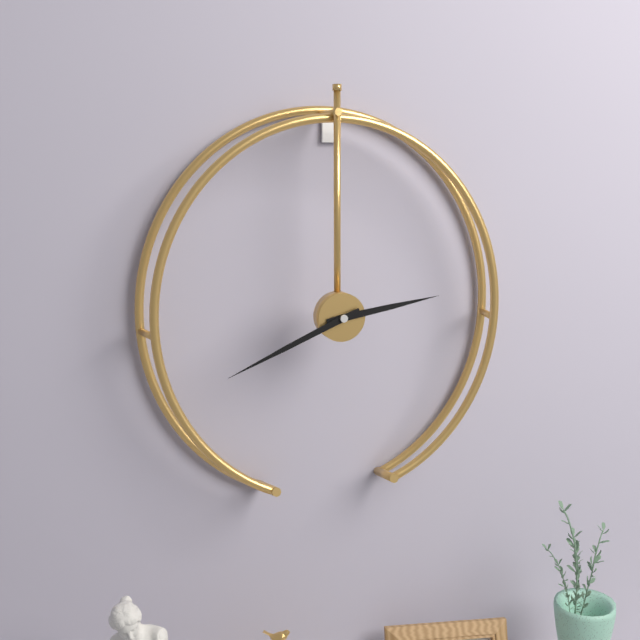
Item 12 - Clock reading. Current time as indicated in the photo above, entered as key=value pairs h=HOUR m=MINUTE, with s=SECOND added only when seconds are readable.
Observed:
h=2 m=41
